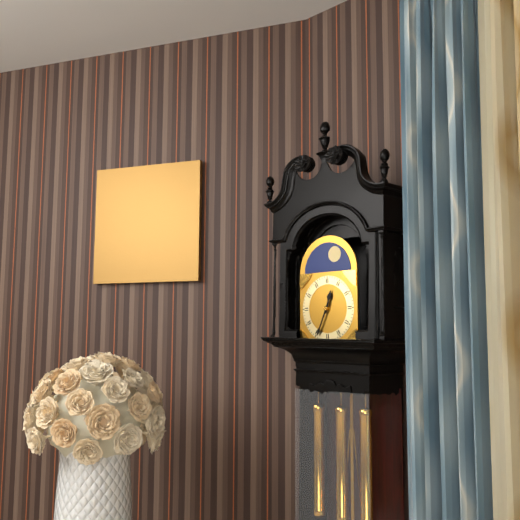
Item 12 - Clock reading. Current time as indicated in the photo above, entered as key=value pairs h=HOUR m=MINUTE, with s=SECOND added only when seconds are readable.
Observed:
h=12 m=34
